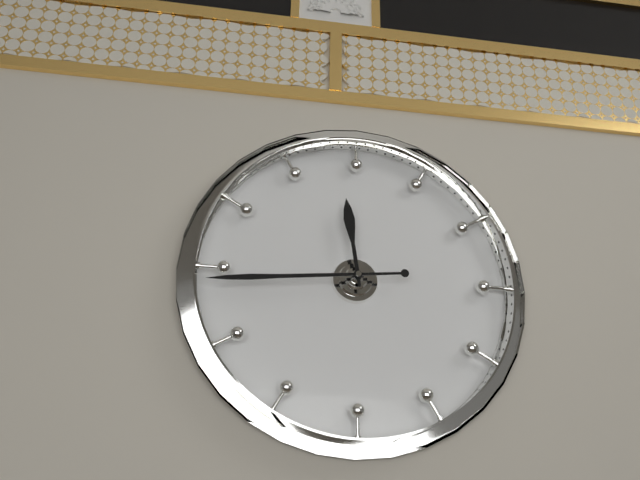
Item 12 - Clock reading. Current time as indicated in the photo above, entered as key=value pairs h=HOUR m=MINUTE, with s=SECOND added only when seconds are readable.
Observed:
h=11 m=44
